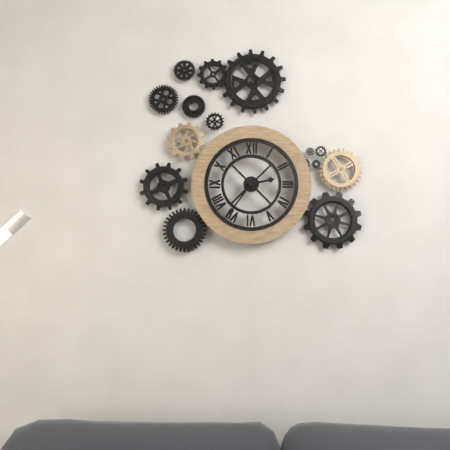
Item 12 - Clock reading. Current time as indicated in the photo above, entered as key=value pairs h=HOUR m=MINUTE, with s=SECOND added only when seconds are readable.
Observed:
h=2 m=36
